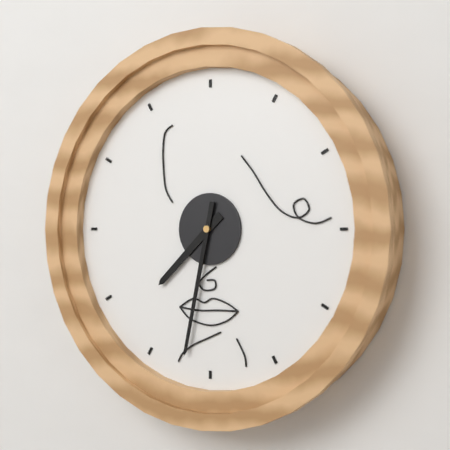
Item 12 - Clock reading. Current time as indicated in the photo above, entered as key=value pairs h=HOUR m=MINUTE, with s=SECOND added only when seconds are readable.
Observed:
h=7 m=32
